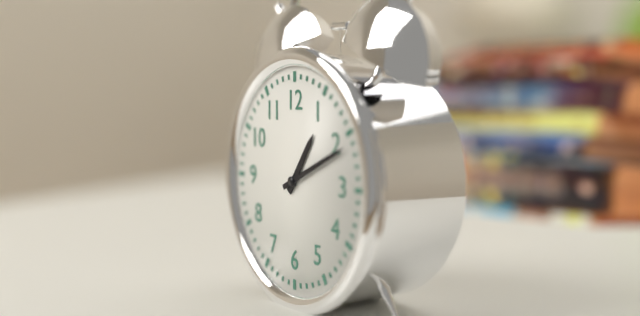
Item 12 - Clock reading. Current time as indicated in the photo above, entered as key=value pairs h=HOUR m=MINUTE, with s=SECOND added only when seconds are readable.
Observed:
h=1 m=11
